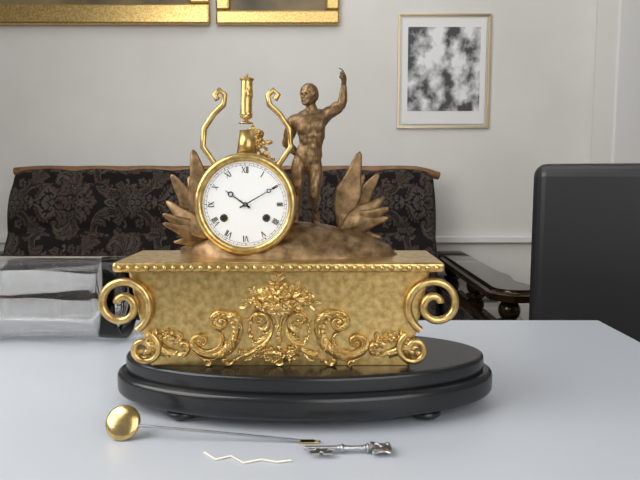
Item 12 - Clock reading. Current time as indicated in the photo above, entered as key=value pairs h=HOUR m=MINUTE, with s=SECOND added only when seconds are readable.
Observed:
h=10 m=10
